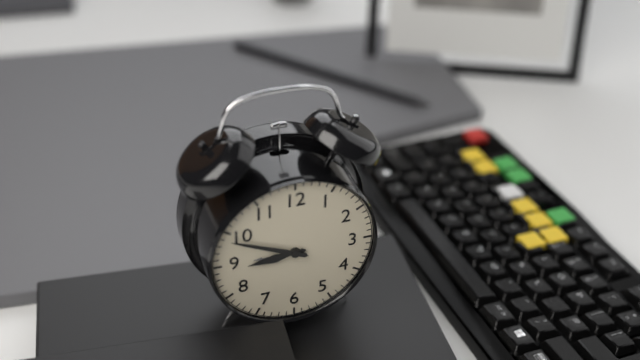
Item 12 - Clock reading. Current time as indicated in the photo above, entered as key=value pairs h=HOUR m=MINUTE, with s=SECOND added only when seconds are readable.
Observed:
h=8 m=49
